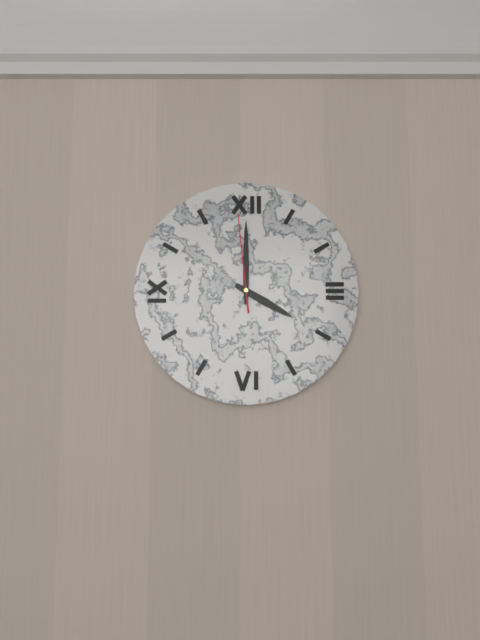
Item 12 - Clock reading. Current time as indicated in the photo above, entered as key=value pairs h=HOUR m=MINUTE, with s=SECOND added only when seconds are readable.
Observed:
h=4 m=0 s=59
